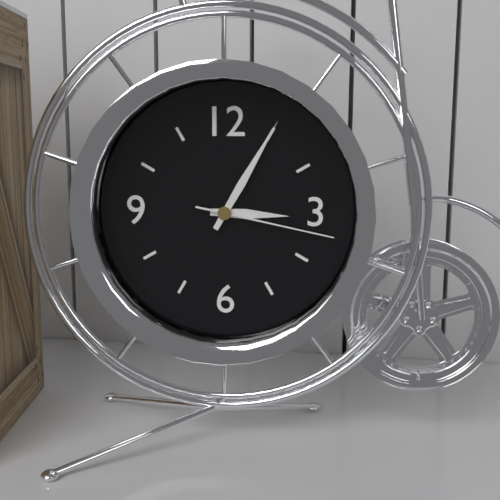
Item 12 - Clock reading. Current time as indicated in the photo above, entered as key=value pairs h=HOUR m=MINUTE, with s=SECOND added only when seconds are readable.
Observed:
h=3 m=5 s=17
